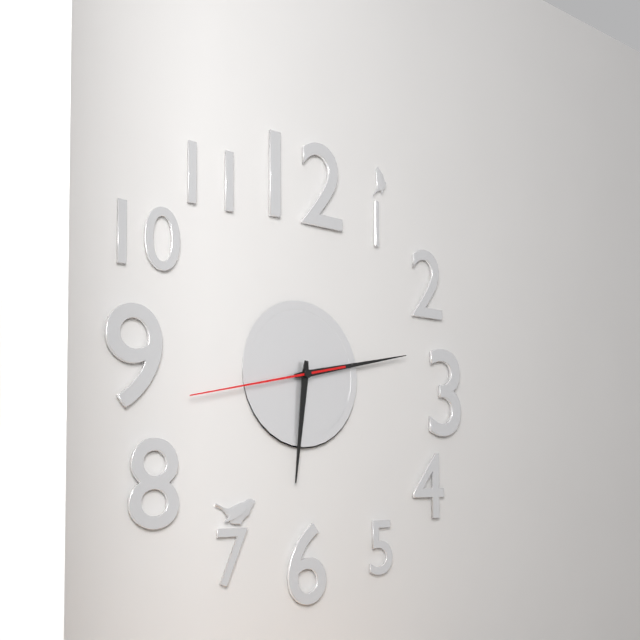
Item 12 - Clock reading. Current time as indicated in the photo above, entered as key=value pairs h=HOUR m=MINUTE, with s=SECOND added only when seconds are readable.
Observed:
h=6 m=13 s=43
